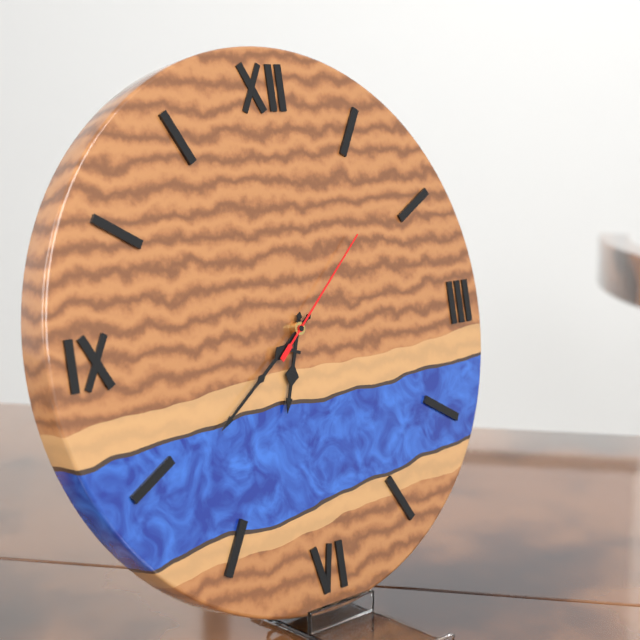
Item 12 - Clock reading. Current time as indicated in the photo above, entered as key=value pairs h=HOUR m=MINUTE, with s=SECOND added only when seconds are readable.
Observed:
h=6 m=39 s=8
